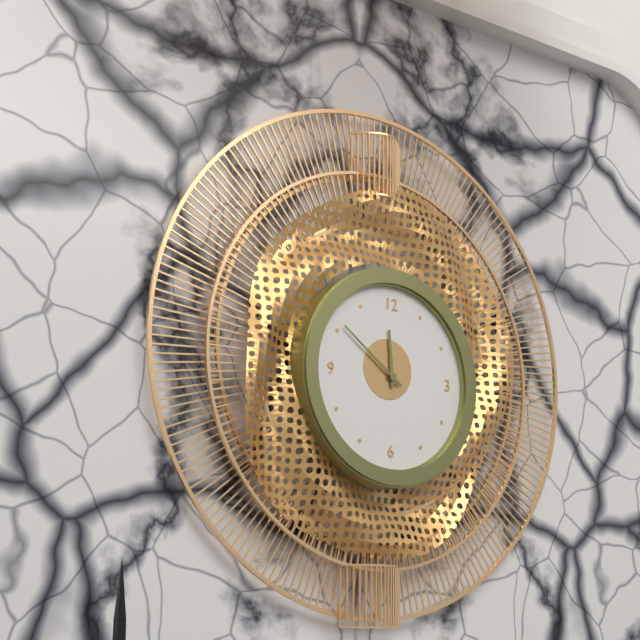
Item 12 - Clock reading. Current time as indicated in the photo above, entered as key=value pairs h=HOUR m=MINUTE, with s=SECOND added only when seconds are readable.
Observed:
h=11 m=51
